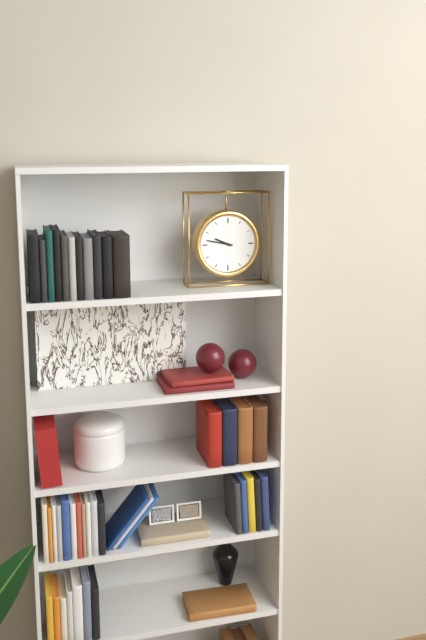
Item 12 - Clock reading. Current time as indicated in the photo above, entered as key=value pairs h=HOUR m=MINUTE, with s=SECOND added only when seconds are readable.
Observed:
h=9 m=47
